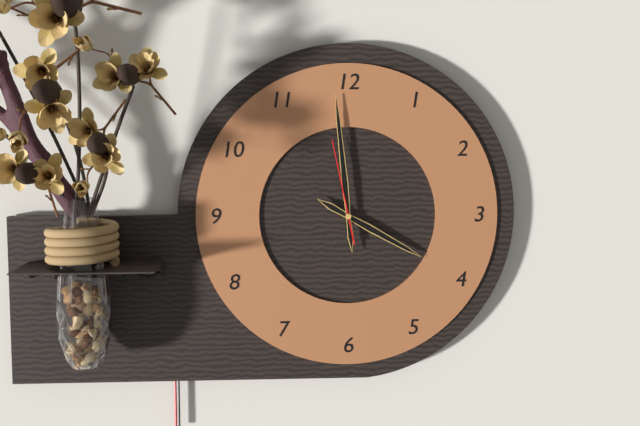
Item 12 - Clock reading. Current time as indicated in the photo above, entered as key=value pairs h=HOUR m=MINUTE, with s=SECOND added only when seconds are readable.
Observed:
h=3 m=59 s=58
